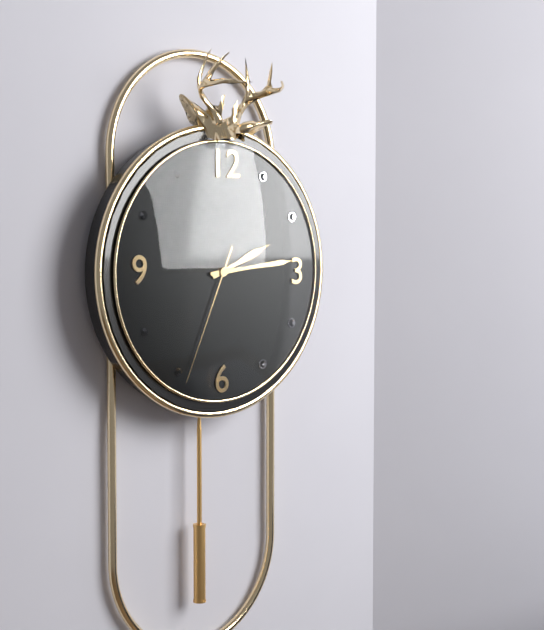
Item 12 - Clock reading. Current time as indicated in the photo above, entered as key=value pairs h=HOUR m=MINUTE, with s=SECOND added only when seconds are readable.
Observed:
h=2 m=14 s=34
